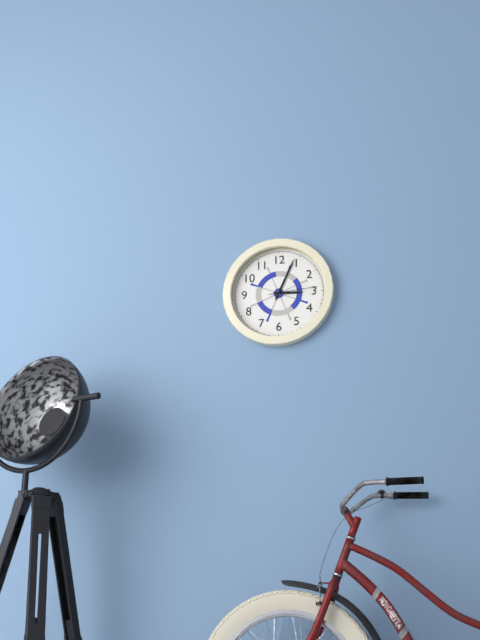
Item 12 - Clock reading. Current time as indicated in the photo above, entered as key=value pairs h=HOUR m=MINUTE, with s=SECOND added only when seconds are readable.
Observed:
h=3 m=4
